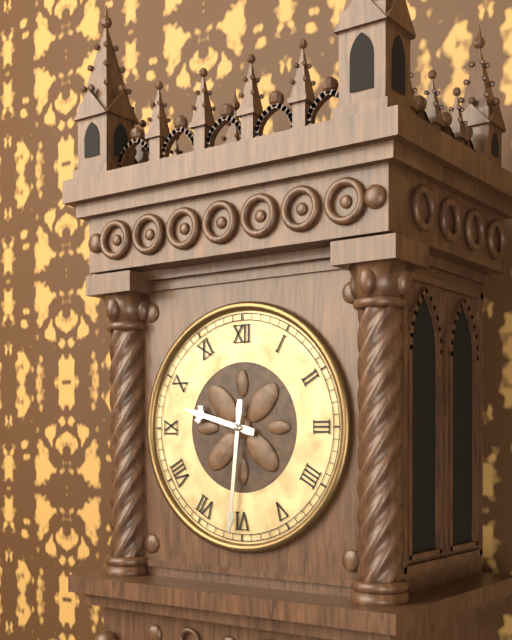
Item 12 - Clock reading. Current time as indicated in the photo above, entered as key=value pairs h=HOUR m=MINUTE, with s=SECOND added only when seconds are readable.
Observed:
h=9 m=31
